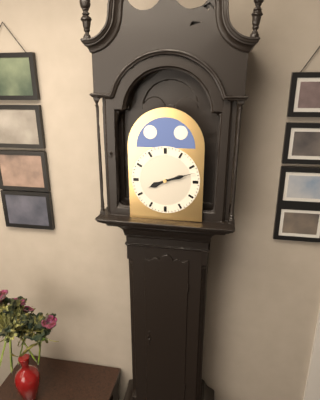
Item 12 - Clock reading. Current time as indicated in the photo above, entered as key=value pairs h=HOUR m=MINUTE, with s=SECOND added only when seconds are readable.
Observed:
h=8 m=12
